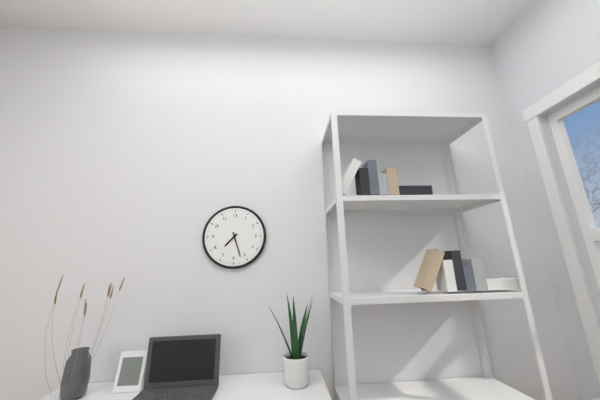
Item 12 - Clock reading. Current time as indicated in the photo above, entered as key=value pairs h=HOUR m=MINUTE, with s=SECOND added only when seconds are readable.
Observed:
h=7 m=27
